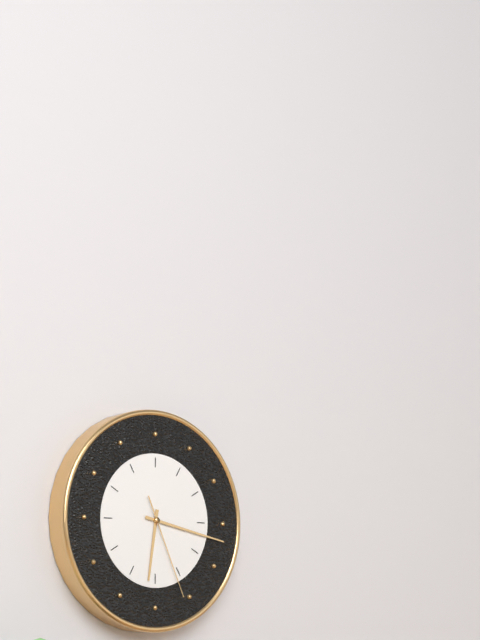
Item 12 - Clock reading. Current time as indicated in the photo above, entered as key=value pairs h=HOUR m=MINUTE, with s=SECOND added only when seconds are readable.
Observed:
h=6 m=17 s=26
